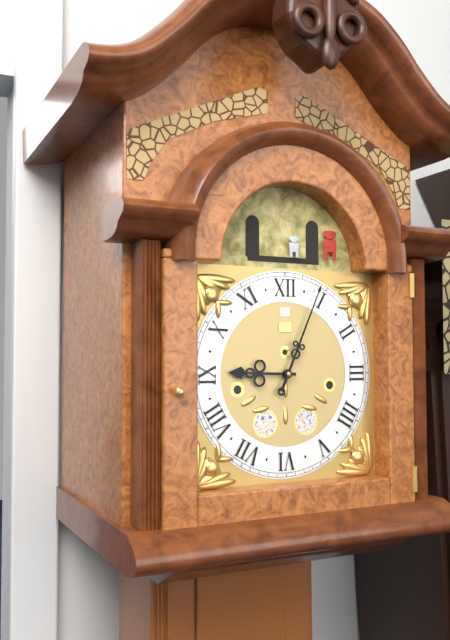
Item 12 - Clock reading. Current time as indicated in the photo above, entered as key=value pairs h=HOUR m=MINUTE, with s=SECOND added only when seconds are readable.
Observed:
h=9 m=4
